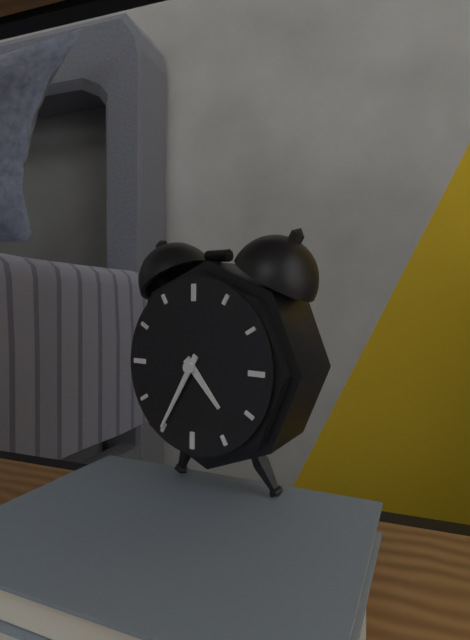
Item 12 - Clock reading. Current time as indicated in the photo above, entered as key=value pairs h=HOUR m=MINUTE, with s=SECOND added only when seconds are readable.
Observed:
h=4 m=35
